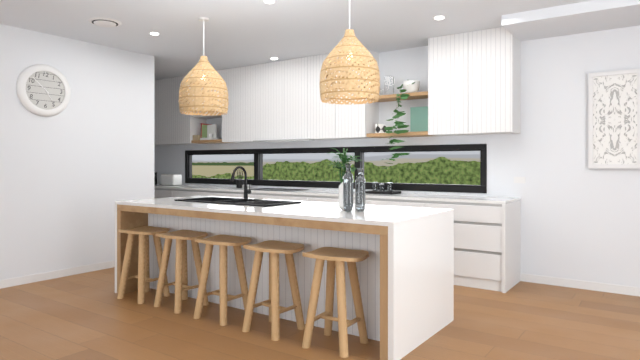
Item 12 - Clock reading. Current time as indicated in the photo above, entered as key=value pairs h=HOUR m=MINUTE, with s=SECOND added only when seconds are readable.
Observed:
h=4 m=52
